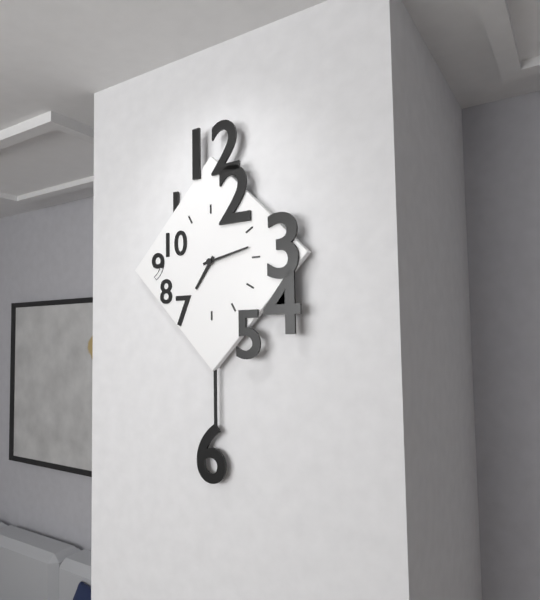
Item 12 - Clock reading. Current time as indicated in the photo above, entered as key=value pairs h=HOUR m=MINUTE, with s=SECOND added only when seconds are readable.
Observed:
h=7 m=13
